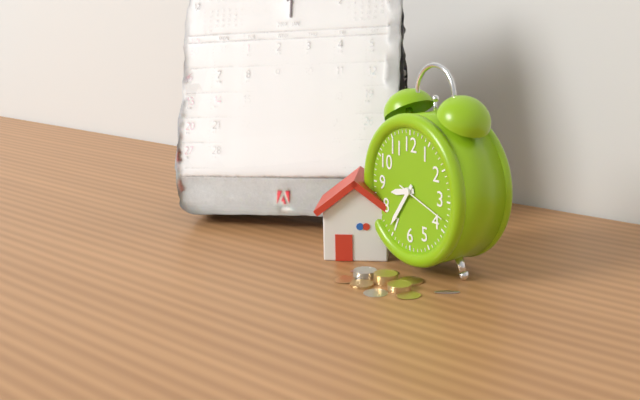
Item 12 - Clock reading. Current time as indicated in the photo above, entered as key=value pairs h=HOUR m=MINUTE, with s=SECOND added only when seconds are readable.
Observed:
h=8 m=36 s=18
